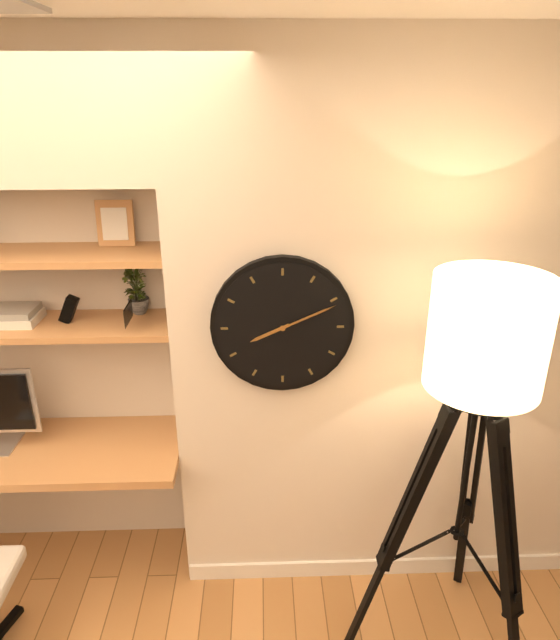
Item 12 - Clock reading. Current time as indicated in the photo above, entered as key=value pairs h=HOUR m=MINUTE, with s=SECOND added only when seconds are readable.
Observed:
h=8 m=11
